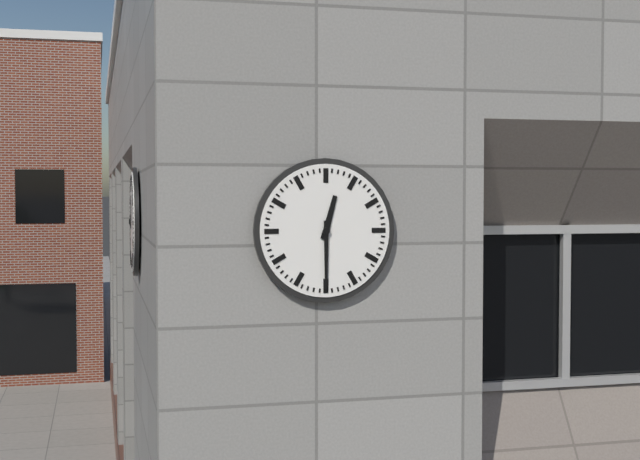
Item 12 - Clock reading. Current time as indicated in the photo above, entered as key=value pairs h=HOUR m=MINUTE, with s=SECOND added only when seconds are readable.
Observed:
h=12 m=30
